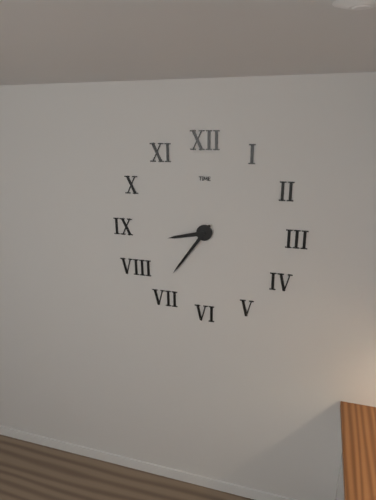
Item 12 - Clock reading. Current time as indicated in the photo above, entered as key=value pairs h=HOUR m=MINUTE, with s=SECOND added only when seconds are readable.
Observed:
h=8 m=36
